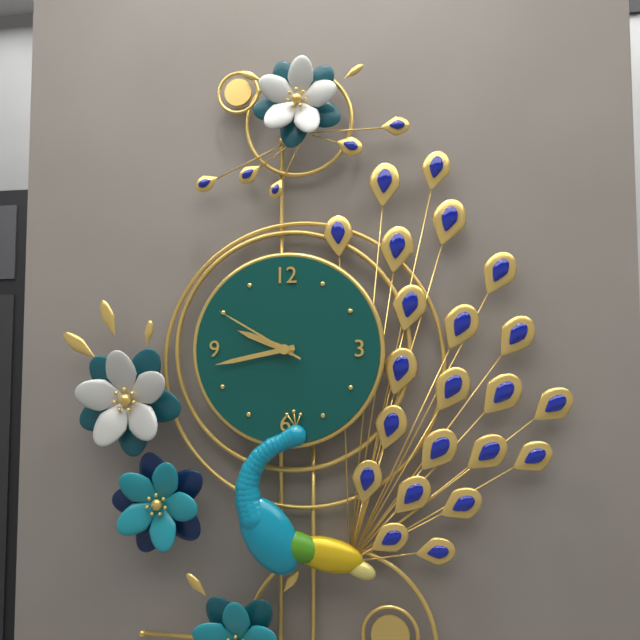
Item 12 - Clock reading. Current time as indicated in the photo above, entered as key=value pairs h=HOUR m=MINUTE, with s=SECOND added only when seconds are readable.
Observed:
h=9 m=43 s=50
